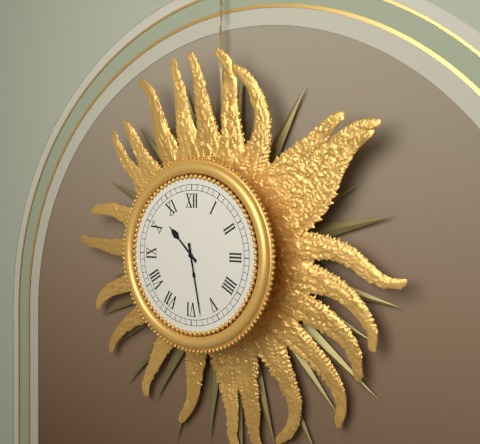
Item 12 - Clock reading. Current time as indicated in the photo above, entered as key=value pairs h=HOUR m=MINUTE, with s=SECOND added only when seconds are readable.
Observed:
h=10 m=28
